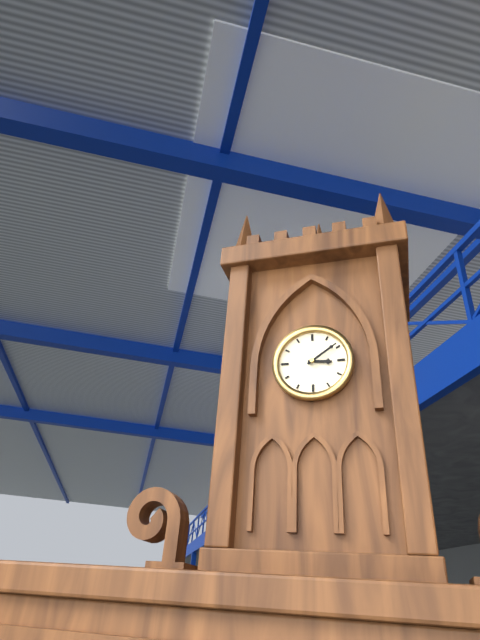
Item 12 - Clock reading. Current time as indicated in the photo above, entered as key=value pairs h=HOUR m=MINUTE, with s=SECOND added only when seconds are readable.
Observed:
h=3 m=9
